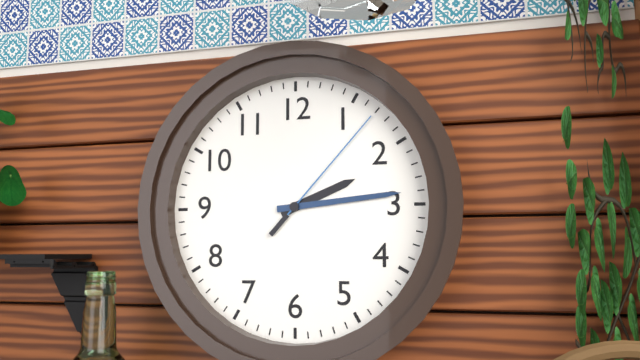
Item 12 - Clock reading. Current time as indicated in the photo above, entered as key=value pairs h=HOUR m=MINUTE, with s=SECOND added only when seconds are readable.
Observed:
h=2 m=14 s=7
